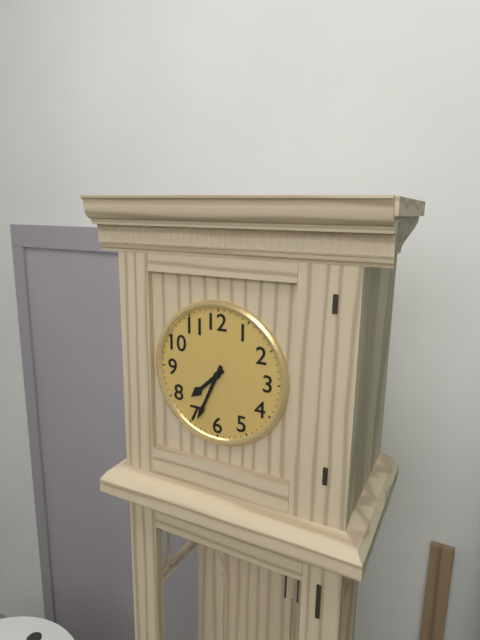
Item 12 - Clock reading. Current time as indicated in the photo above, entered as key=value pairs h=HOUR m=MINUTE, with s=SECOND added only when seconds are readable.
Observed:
h=7 m=34
